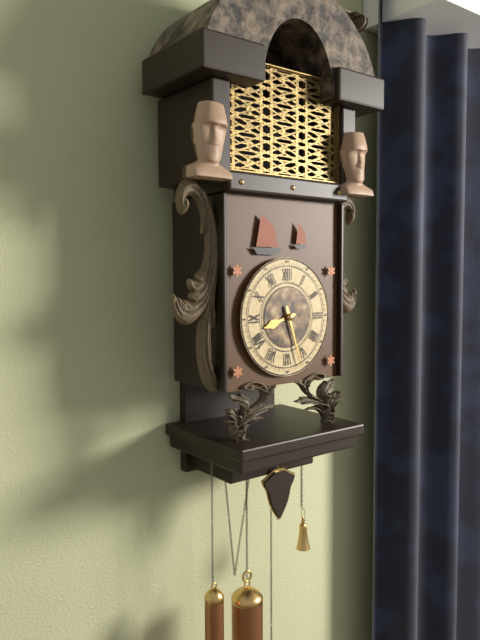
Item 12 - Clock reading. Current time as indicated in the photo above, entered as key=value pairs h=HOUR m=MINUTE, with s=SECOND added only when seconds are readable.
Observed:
h=8 m=27
